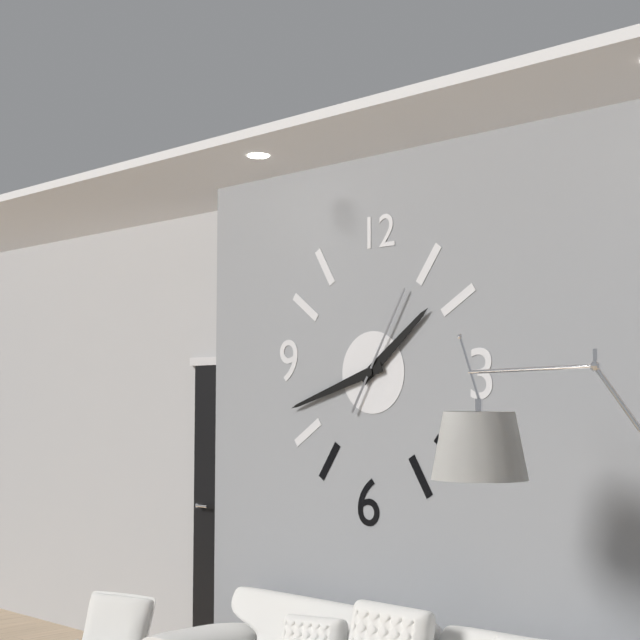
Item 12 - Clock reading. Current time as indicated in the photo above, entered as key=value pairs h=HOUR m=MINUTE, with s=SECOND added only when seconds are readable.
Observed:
h=1 m=42 s=5
